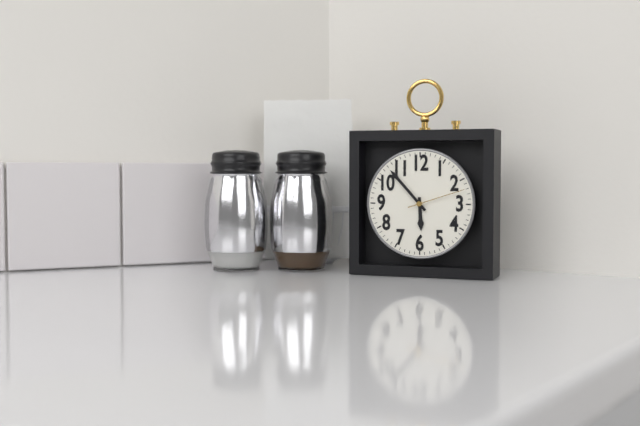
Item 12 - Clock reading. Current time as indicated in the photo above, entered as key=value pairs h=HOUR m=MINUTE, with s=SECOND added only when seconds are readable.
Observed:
h=5 m=53 s=12
